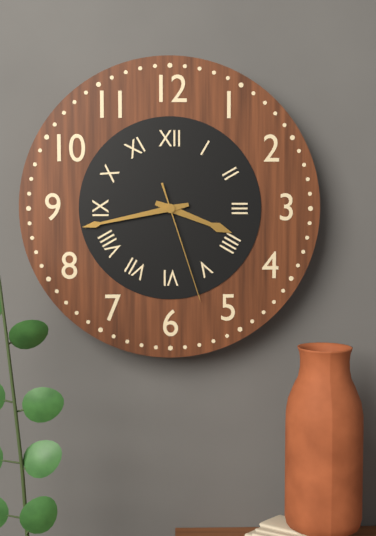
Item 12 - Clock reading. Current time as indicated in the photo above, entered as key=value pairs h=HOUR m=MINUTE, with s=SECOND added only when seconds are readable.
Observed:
h=3 m=43 s=27
